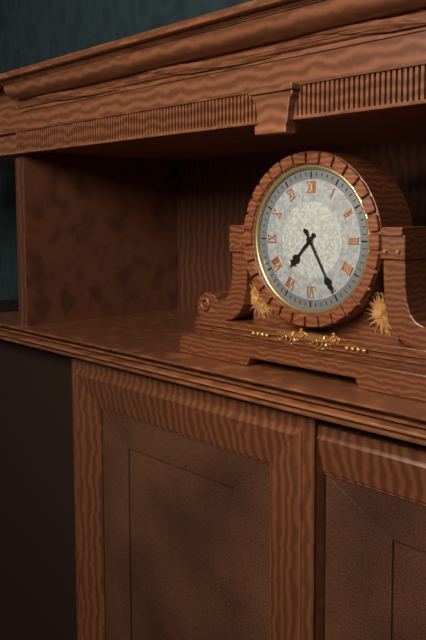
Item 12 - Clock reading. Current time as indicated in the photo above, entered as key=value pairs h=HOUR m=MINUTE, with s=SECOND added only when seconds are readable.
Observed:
h=7 m=25
